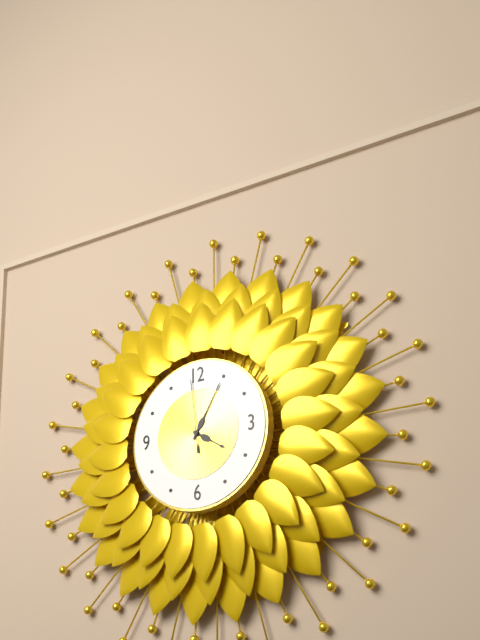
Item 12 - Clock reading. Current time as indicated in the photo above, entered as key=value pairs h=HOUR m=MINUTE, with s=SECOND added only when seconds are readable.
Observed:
h=4 m=5 s=59
